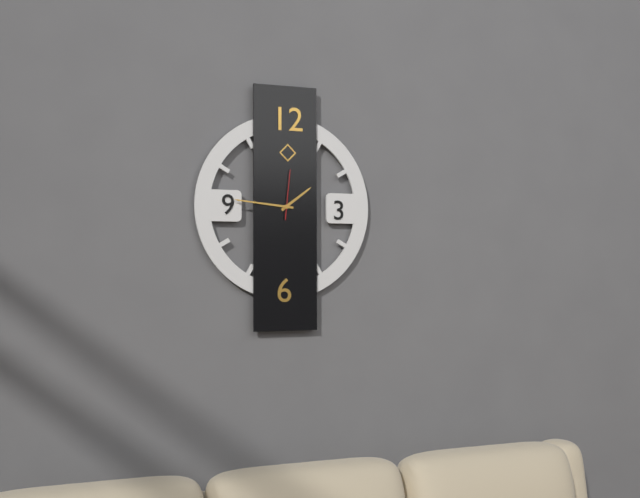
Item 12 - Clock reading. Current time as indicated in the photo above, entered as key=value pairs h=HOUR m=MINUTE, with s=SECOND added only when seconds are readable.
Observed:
h=1 m=46
